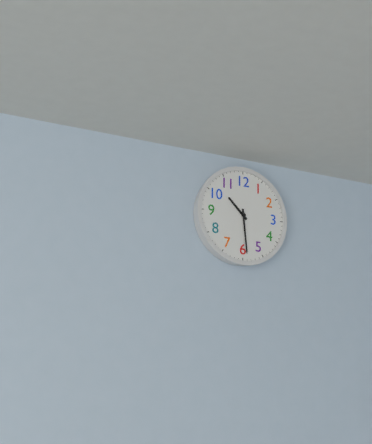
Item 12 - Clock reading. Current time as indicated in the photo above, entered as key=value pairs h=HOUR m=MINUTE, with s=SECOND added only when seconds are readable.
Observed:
h=10 m=29
